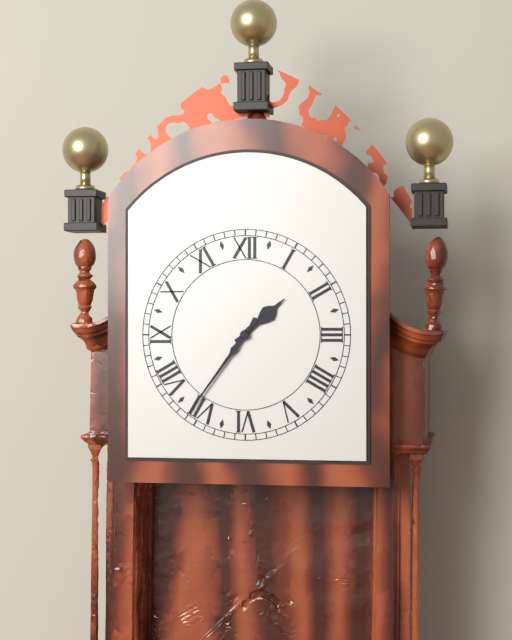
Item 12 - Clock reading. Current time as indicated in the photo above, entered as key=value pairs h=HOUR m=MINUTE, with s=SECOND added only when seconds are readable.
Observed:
h=1 m=36
